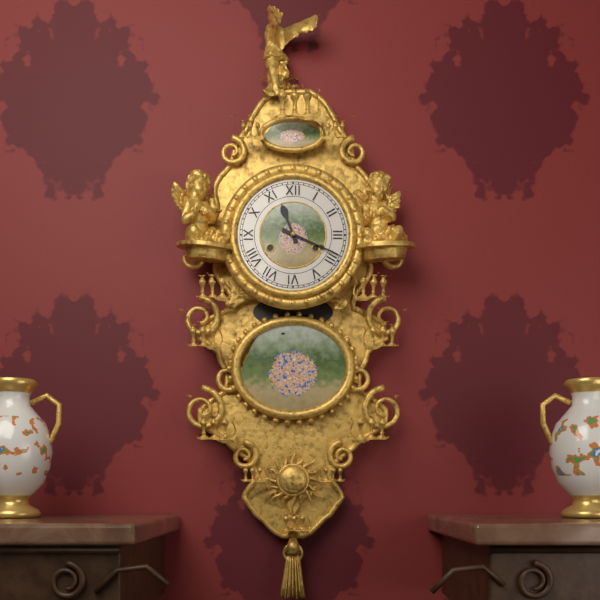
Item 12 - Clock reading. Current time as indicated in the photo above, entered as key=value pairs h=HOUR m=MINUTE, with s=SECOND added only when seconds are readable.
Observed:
h=11 m=19
